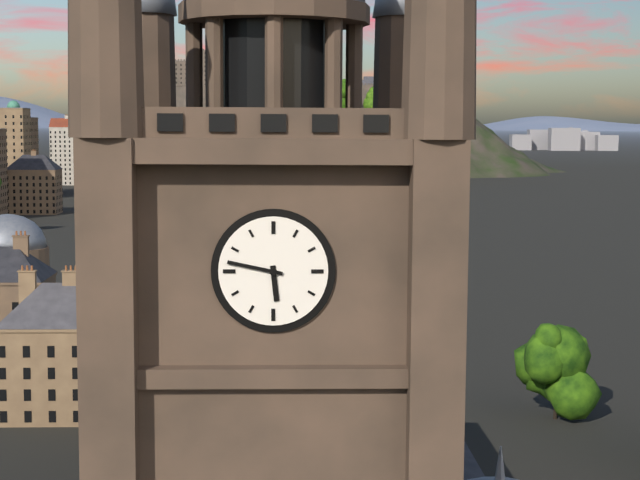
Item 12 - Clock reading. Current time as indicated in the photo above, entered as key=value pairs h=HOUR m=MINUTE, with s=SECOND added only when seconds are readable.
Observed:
h=5 m=47
